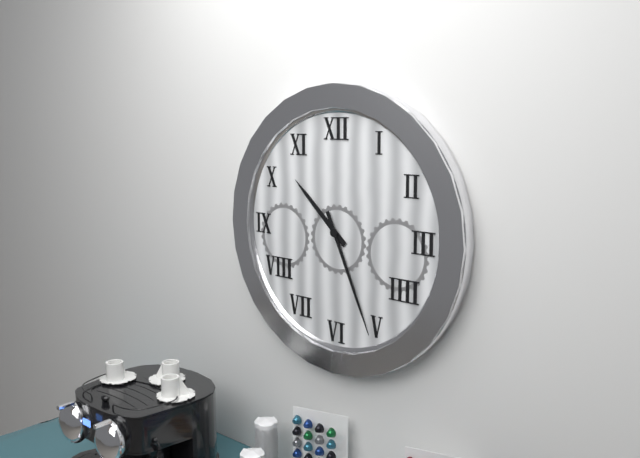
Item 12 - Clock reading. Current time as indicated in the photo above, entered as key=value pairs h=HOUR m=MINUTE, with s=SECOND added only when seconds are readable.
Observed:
h=10 m=26
